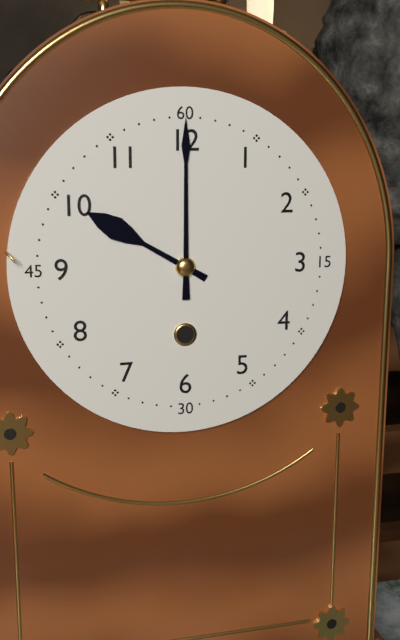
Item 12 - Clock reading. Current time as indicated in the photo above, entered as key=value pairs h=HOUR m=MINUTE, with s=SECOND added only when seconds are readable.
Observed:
h=10 m=0
